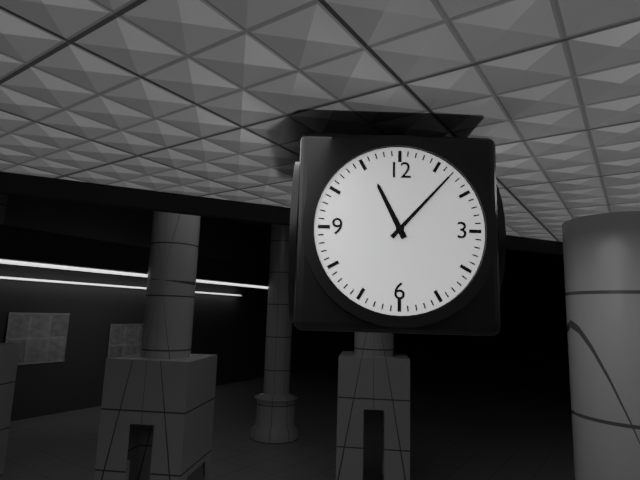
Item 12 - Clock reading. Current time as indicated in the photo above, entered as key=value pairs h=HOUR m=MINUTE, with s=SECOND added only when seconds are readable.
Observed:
h=11 m=7
